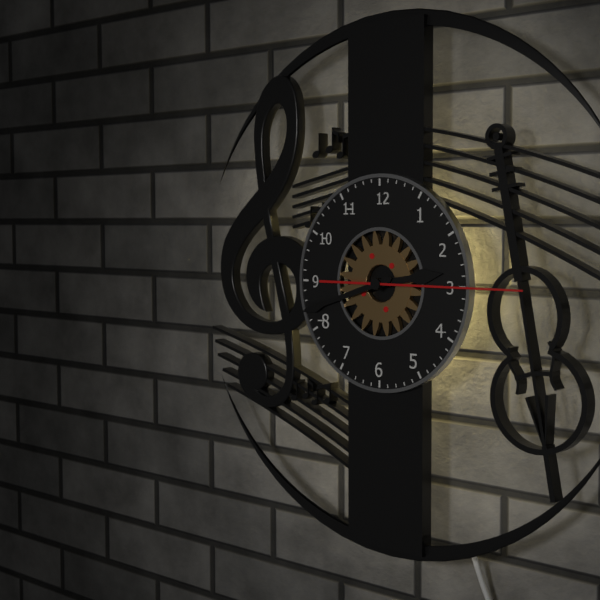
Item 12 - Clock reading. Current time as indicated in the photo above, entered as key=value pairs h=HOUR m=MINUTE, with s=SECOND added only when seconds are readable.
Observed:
h=2 m=42 s=15
